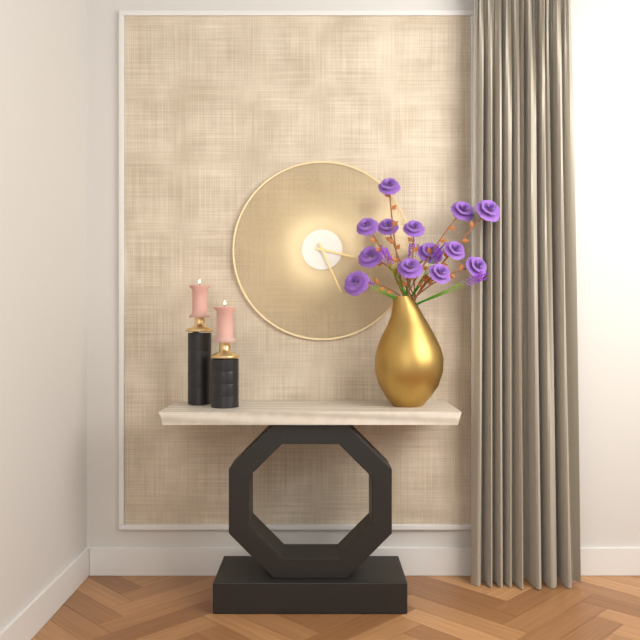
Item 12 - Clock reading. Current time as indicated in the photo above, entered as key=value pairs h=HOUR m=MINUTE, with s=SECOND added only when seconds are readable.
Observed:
h=3 m=26
